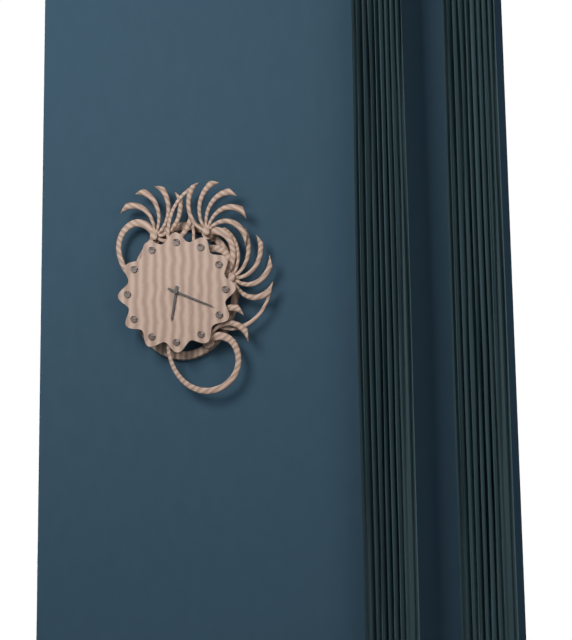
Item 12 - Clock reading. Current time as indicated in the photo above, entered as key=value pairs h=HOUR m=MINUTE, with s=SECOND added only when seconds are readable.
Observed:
h=6 m=19
